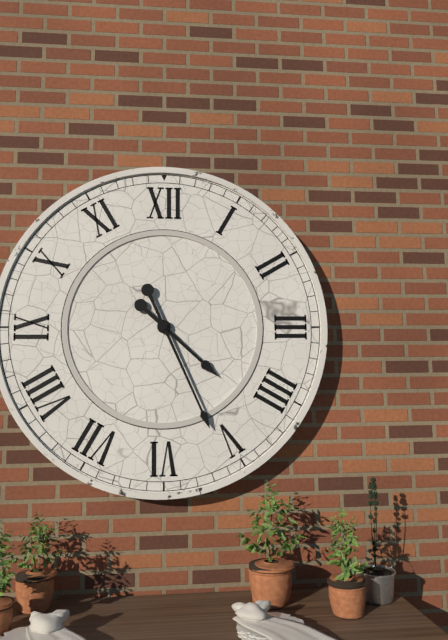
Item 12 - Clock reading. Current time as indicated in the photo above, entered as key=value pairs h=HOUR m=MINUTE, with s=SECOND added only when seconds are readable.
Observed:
h=4 m=26
